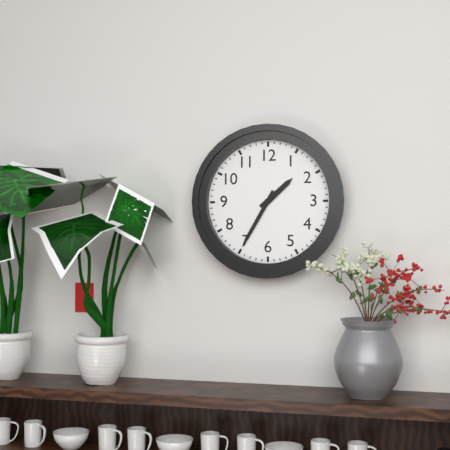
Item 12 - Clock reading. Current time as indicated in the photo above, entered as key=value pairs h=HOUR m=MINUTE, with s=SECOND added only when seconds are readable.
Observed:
h=1 m=35
